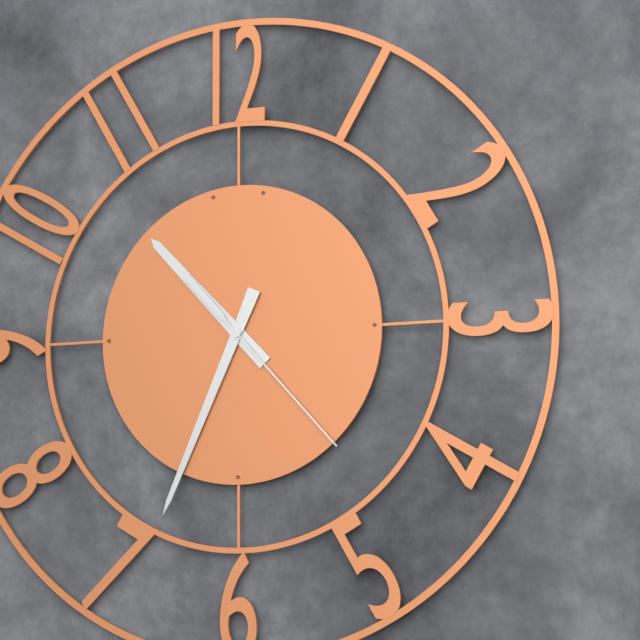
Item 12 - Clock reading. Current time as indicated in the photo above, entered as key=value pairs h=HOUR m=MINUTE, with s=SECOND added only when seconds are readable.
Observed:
h=10 m=34 s=23
